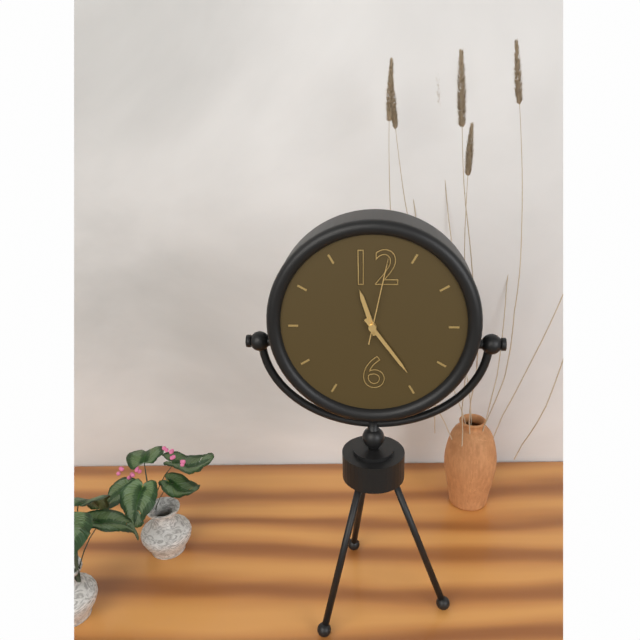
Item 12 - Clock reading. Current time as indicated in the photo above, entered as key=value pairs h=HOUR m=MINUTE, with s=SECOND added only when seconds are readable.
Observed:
h=11 m=24 s=2
